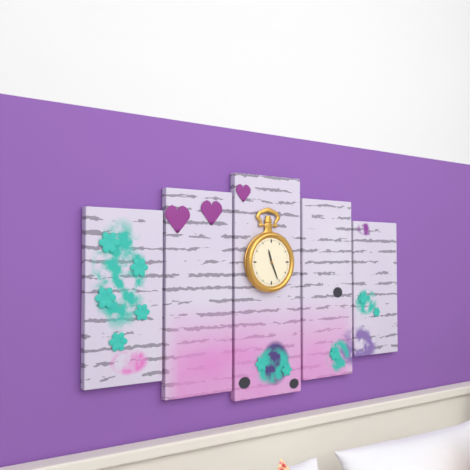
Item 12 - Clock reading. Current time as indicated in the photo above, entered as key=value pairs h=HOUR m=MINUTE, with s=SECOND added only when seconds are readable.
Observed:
h=11 m=26
